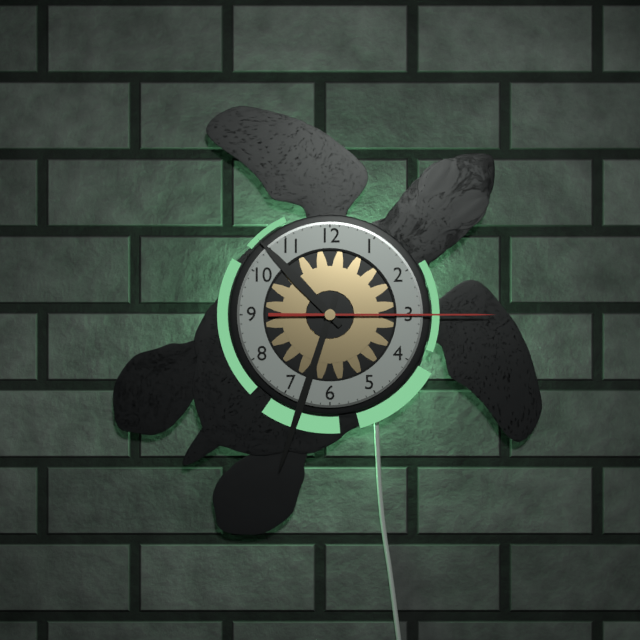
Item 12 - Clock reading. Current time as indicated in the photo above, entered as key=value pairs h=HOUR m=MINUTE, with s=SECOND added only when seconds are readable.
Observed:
h=10 m=33 s=15
